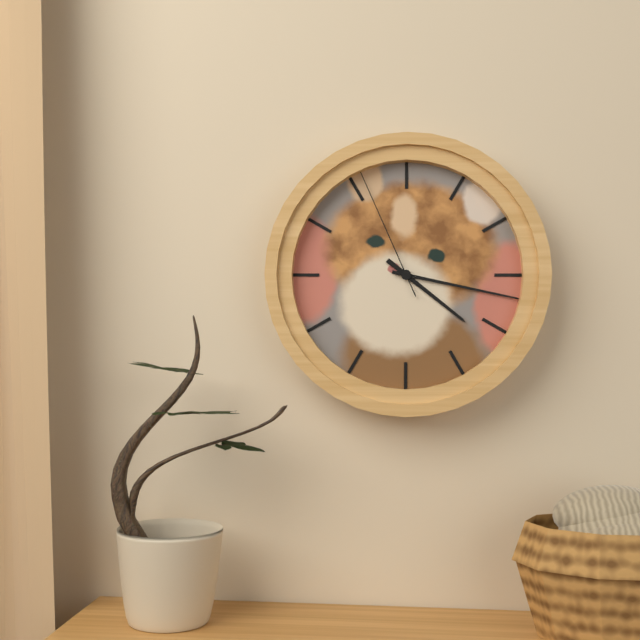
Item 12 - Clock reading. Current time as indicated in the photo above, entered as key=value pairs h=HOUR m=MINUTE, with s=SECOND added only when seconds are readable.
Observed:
h=4 m=17 s=56
